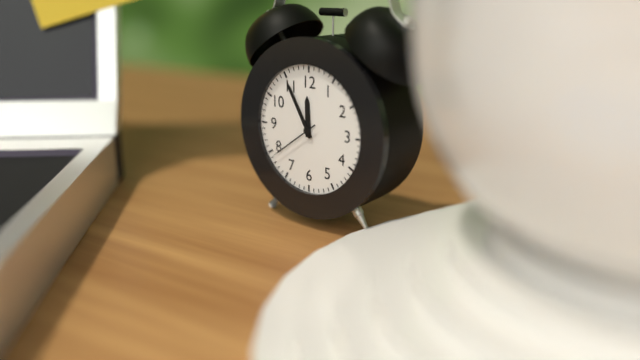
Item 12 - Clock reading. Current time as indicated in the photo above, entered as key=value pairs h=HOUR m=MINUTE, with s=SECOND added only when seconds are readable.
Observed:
h=11 m=55 s=39
